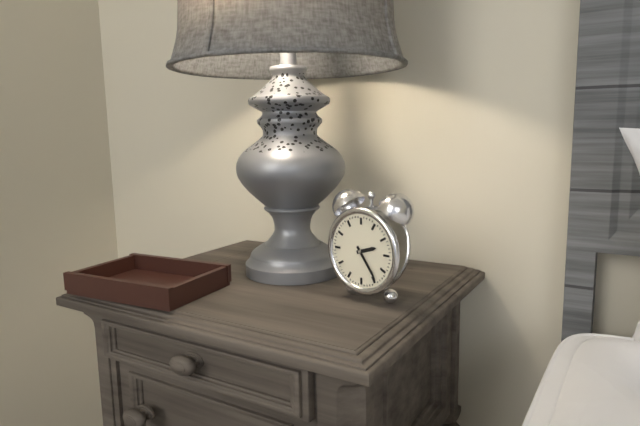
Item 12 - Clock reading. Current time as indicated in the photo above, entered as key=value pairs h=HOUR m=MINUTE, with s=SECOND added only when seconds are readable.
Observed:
h=2 m=24
